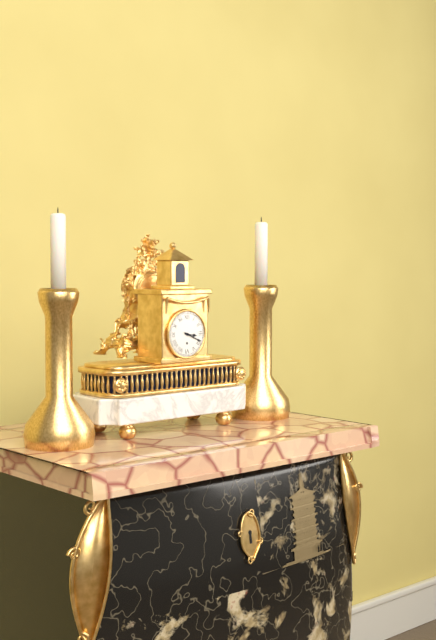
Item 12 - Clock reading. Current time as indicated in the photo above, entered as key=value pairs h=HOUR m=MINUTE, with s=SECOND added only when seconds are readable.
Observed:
h=3 m=19
